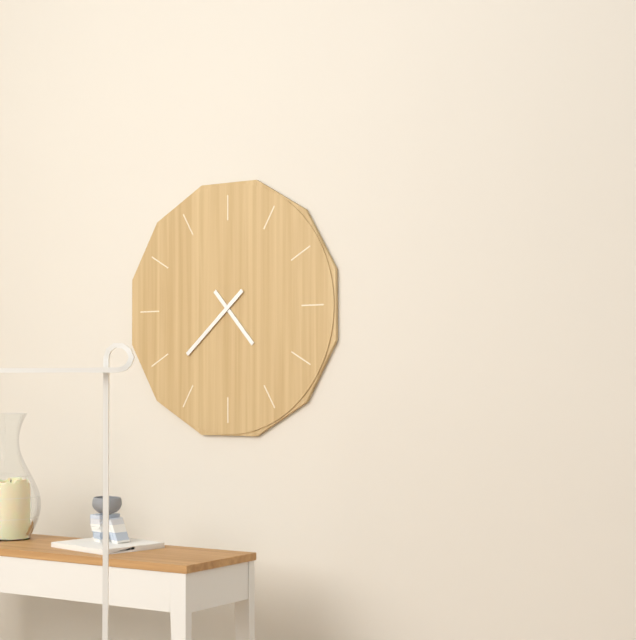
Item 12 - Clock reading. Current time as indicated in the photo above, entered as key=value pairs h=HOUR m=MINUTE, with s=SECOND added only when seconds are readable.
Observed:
h=4 m=38
